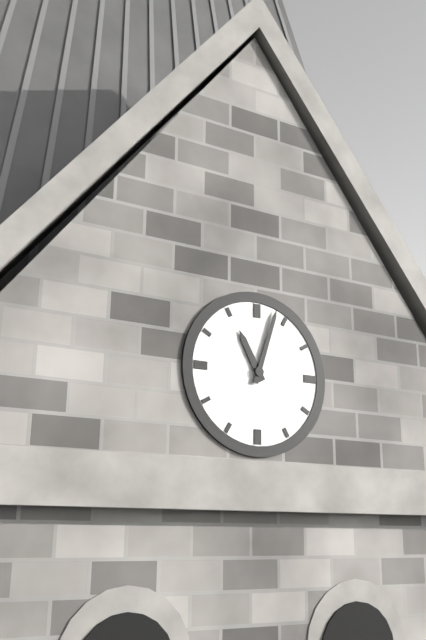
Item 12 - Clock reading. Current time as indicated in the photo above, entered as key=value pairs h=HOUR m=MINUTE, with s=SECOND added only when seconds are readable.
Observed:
h=11 m=3
